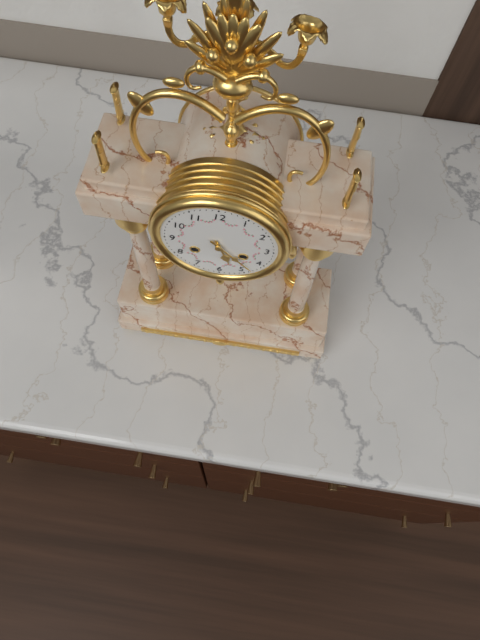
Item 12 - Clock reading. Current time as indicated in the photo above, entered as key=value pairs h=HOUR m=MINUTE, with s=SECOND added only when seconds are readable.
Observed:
h=5 m=23
